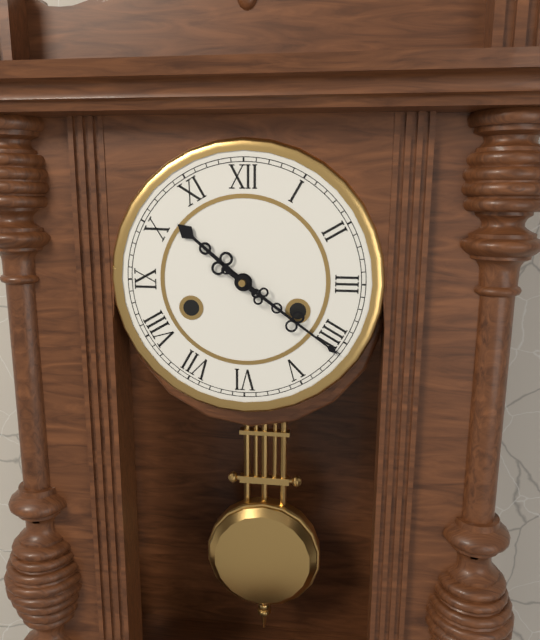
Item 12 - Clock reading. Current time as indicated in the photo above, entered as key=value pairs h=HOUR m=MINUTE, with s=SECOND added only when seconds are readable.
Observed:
h=10 m=21
